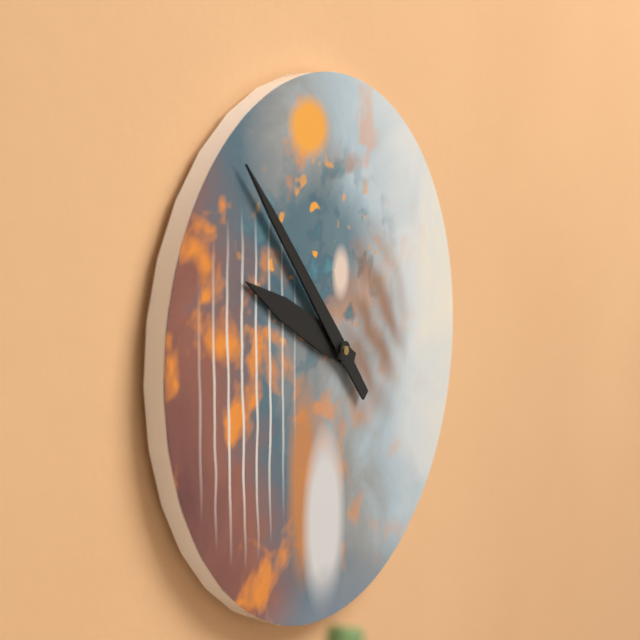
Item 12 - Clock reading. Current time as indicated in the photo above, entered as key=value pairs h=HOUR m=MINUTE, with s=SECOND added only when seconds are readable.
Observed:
h=9 m=53
